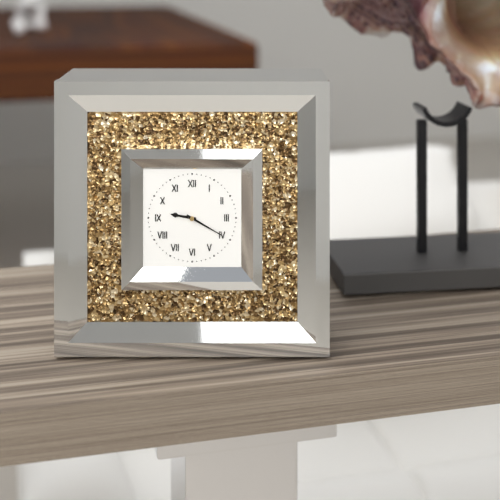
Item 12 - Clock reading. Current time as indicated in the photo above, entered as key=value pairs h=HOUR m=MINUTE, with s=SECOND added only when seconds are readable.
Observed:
h=9 m=20
